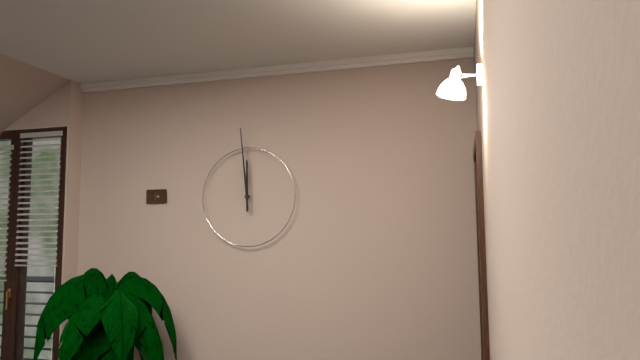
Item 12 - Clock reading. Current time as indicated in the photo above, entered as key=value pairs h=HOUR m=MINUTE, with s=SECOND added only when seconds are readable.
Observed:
h=11 m=59
